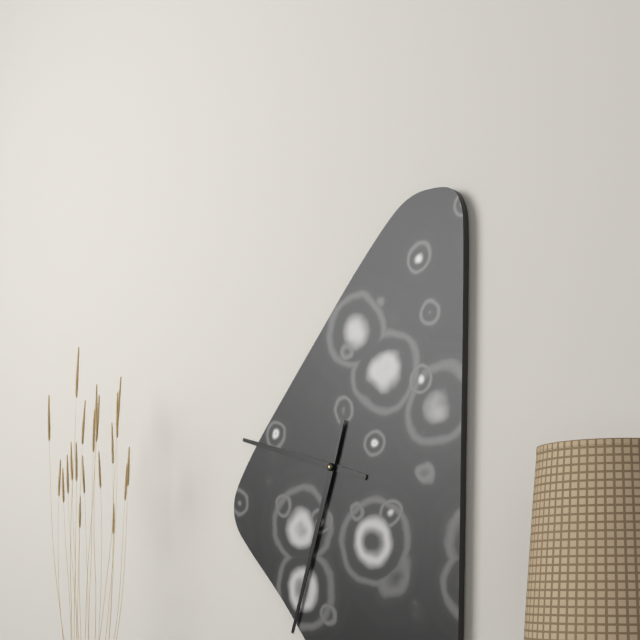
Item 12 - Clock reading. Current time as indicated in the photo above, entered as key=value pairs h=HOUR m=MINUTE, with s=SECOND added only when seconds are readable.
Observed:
h=9 m=33
